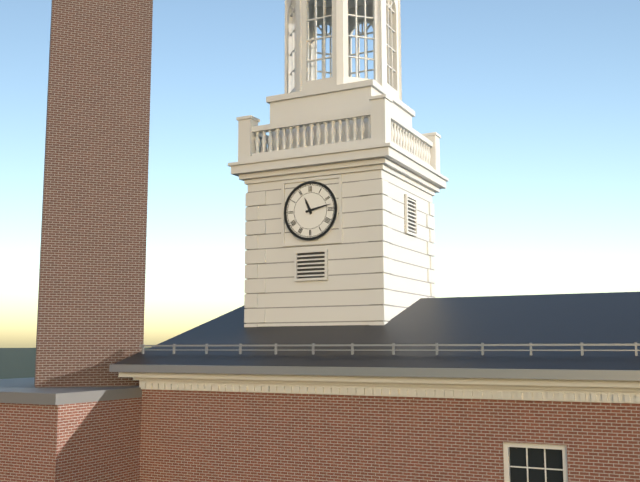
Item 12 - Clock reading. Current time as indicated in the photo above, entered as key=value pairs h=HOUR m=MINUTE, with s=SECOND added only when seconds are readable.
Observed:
h=11 m=13
